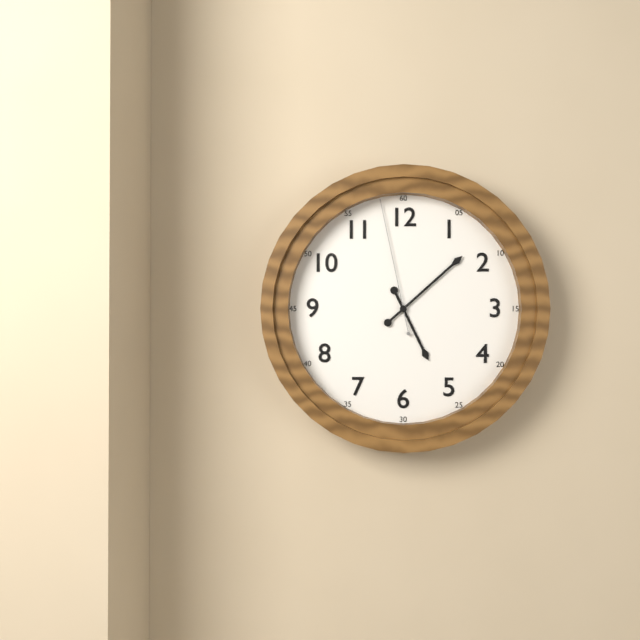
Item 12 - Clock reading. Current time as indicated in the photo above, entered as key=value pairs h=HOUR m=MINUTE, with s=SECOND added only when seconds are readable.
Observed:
h=5 m=8 s=58
